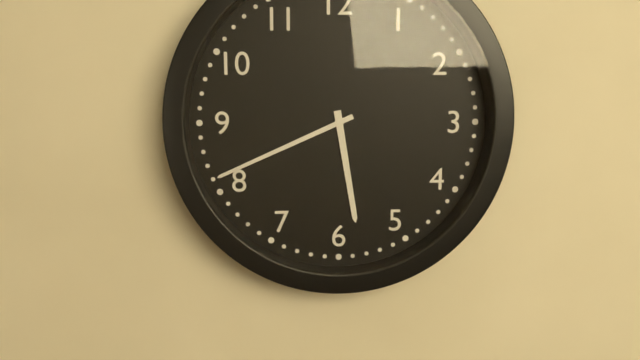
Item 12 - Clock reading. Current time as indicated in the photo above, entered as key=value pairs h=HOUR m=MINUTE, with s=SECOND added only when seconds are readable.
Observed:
h=5 m=41
